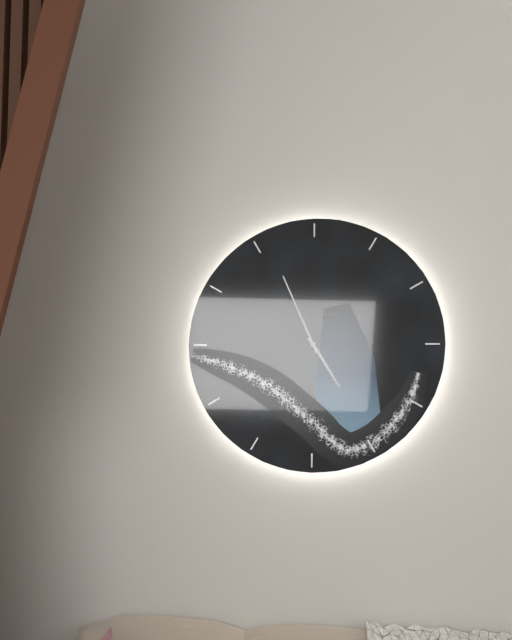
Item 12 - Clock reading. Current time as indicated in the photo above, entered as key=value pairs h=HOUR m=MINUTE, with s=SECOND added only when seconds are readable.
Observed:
h=4 m=56
